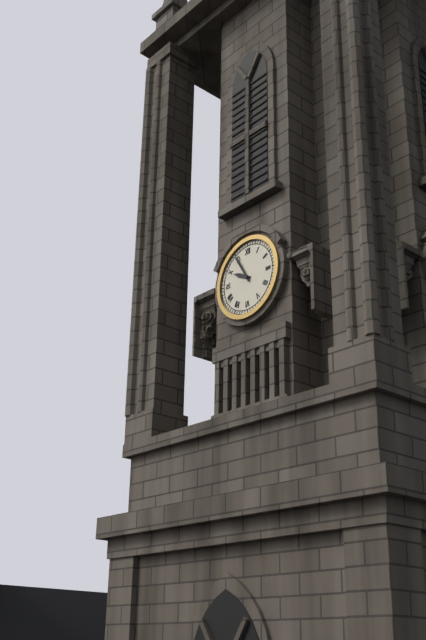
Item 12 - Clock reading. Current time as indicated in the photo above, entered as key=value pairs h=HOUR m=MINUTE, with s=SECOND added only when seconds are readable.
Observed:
h=9 m=55
